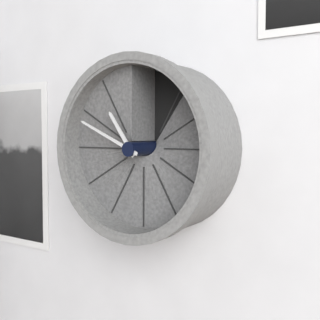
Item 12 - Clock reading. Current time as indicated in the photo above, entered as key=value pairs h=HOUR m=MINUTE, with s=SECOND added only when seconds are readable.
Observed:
h=10 m=49
